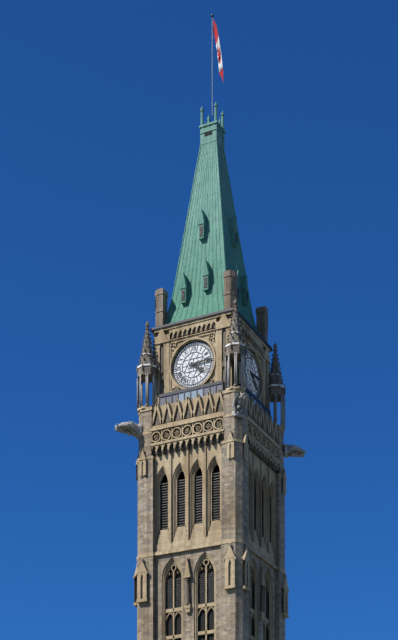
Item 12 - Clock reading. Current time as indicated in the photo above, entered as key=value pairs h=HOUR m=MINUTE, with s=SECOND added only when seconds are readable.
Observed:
h=4 m=14
